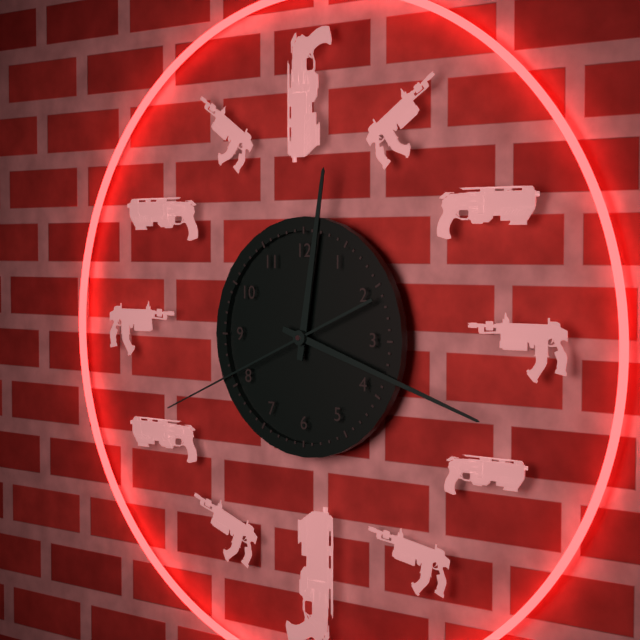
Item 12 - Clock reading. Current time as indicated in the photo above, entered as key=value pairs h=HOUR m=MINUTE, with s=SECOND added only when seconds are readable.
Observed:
h=12 m=18 s=41
